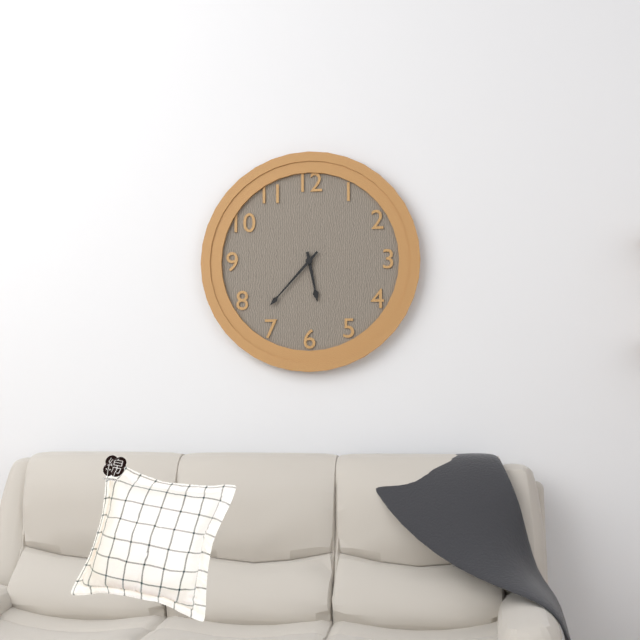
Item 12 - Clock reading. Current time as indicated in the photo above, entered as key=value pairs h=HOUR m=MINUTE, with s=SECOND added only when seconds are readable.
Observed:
h=5 m=37
